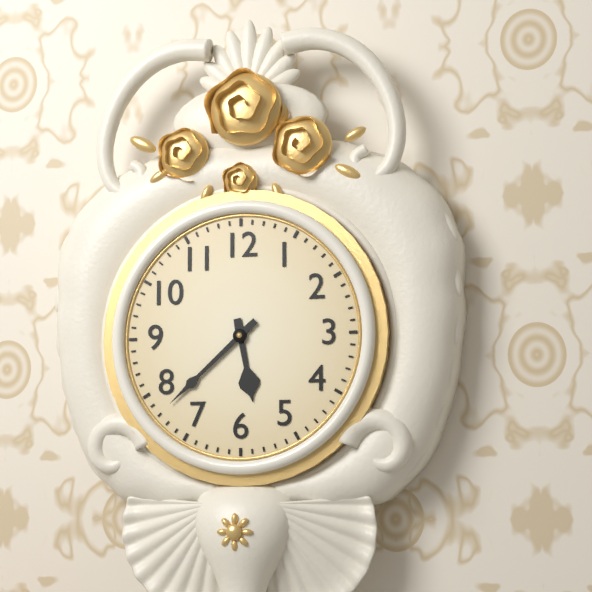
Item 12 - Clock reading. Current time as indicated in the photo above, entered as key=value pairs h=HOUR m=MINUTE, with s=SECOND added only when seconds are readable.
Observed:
h=5 m=38
